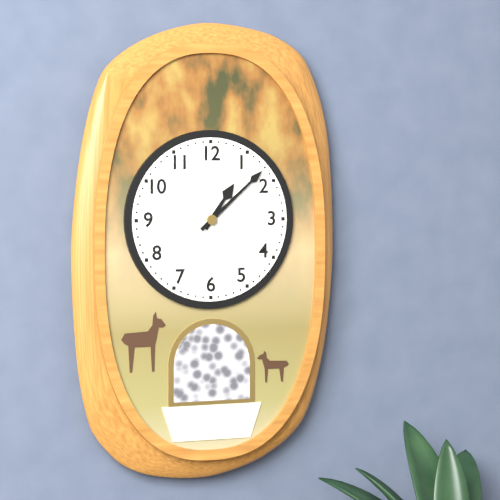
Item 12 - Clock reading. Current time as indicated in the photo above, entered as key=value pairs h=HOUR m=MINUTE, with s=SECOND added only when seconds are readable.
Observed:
h=1 m=8
